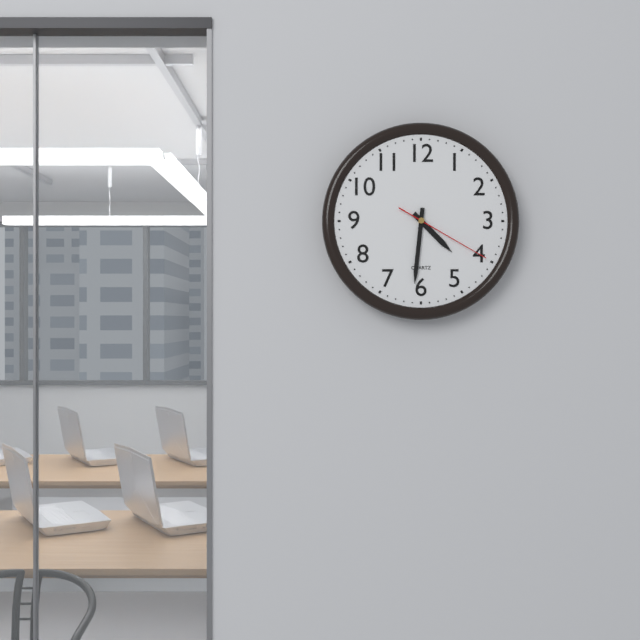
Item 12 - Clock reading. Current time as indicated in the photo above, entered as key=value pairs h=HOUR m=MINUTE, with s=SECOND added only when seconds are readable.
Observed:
h=4 m=31 s=20
